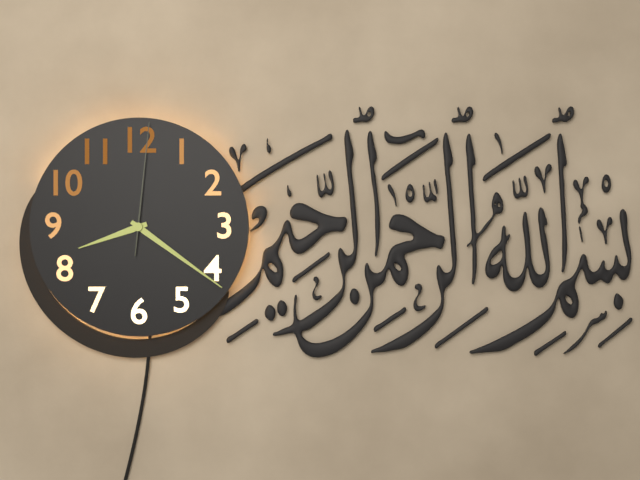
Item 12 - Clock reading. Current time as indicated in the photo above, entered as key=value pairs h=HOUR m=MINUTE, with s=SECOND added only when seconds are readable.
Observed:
h=8 m=21 s=1
